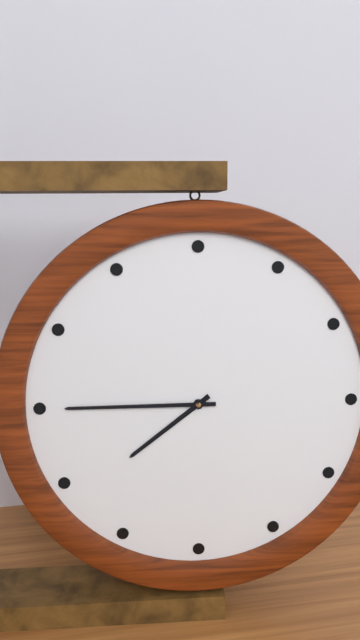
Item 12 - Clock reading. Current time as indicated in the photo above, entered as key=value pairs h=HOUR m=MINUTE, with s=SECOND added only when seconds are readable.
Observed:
h=7 m=45
